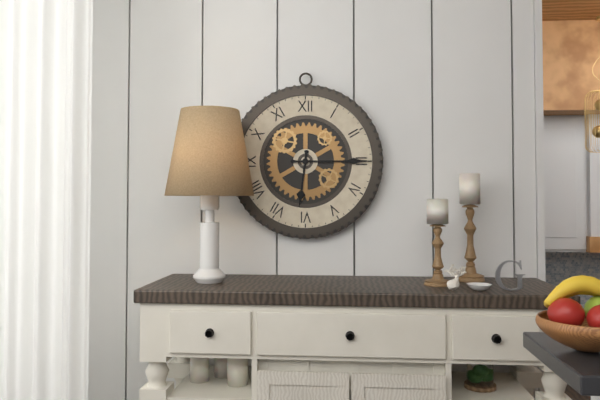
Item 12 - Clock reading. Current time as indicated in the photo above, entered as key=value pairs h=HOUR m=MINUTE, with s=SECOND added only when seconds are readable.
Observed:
h=6 m=15
